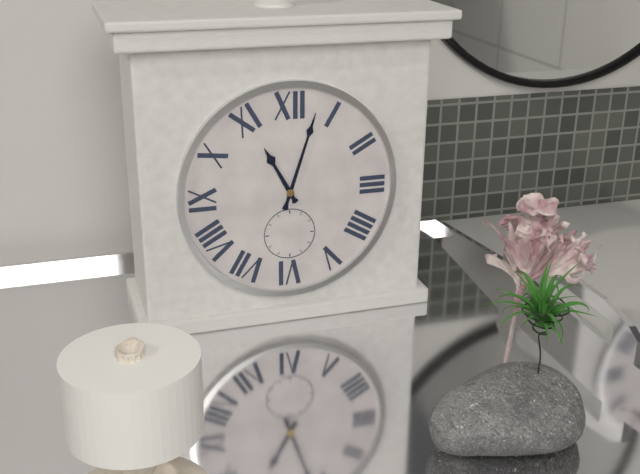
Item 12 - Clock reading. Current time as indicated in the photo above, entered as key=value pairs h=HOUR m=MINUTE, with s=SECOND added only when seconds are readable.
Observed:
h=11 m=3
